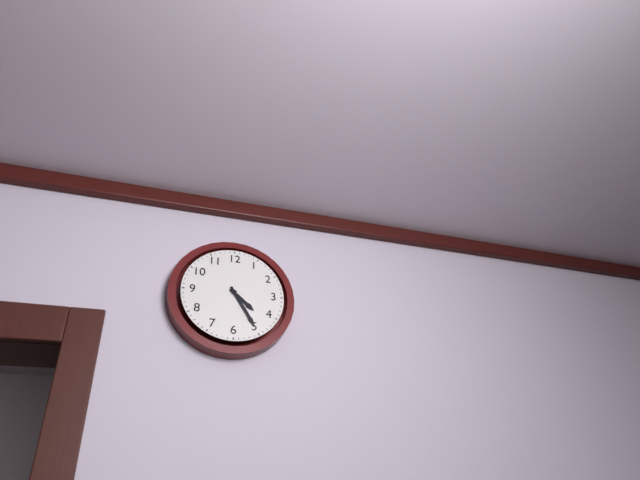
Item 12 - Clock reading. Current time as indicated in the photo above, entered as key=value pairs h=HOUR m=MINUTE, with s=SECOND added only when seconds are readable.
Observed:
h=4 m=25
